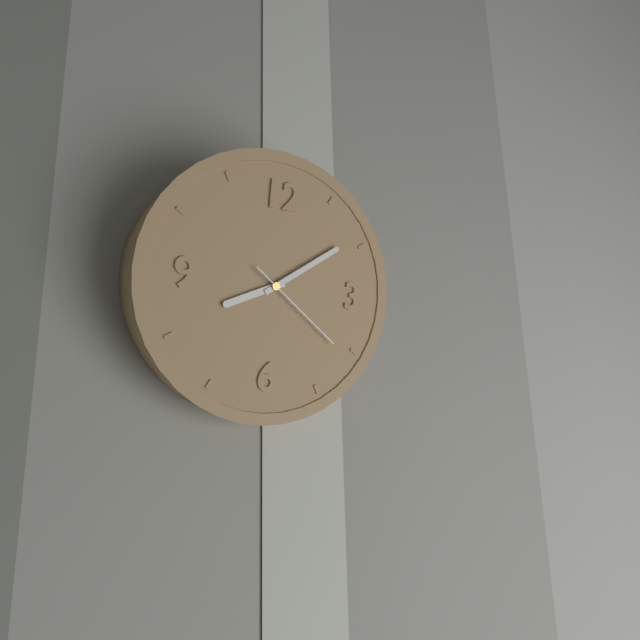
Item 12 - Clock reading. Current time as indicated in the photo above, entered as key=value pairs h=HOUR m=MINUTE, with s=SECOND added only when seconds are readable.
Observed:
h=8 m=9 s=21
